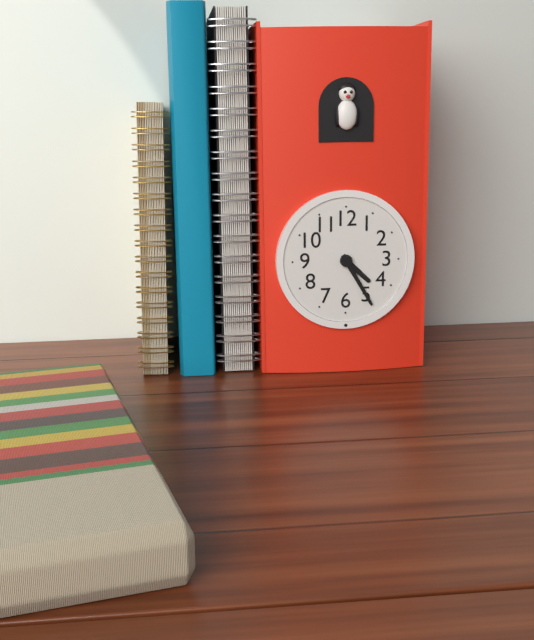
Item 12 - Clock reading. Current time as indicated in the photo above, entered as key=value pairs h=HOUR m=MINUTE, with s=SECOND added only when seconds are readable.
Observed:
h=4 m=25
